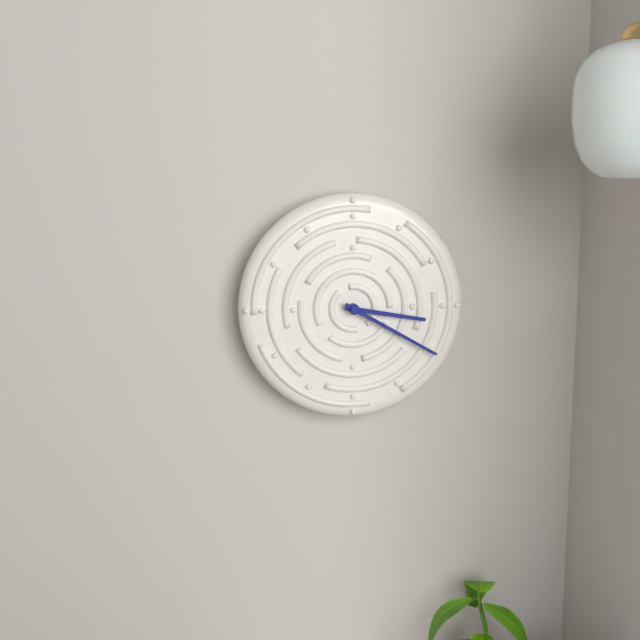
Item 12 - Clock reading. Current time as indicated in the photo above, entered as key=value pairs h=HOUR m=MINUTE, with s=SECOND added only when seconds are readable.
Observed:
h=3 m=20
